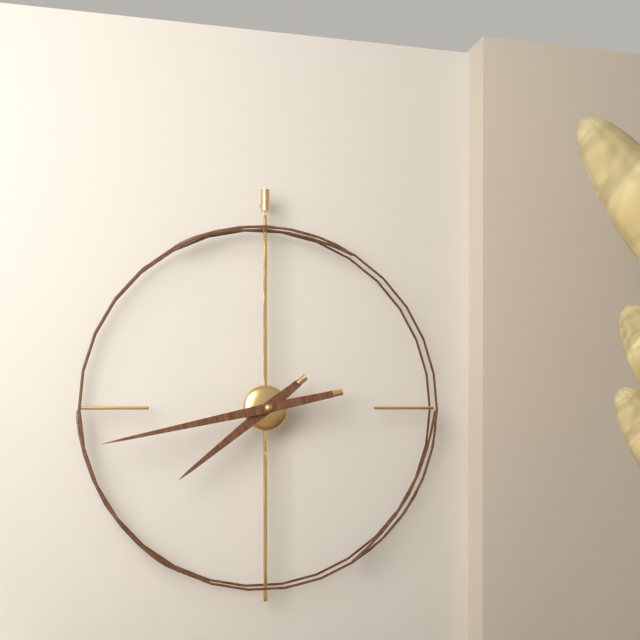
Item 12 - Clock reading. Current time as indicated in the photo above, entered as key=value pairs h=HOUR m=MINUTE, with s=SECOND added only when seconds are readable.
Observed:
h=7 m=43
